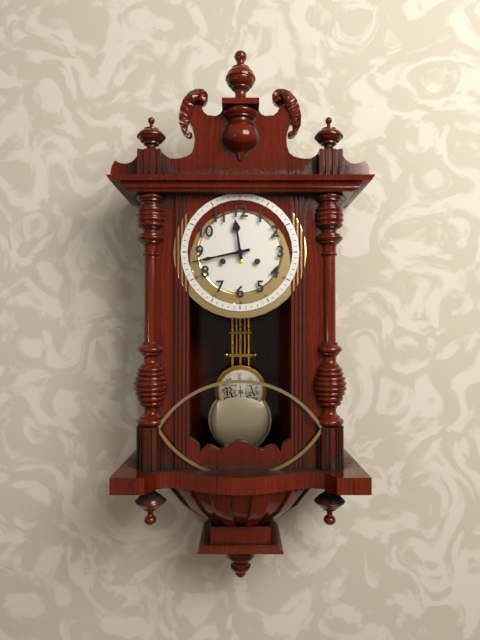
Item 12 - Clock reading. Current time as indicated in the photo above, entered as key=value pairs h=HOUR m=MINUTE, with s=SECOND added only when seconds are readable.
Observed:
h=11 m=43
